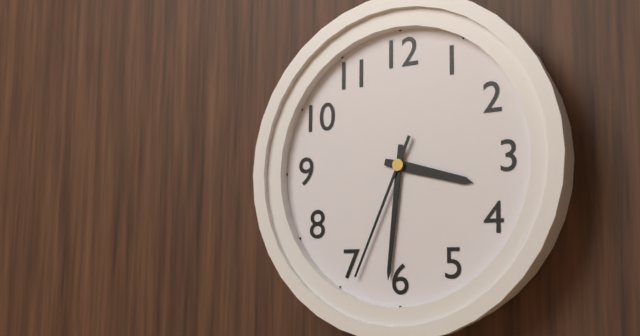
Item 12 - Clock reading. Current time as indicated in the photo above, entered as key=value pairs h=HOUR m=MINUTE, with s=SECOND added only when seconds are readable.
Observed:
h=3 m=31 s=34
